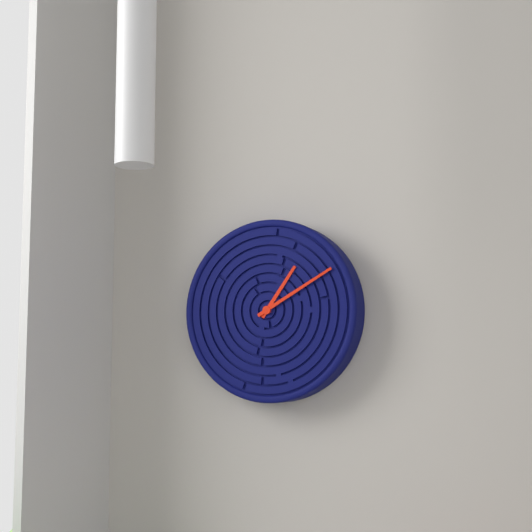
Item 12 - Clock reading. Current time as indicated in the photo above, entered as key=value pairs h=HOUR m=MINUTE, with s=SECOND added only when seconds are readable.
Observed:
h=1 m=10
